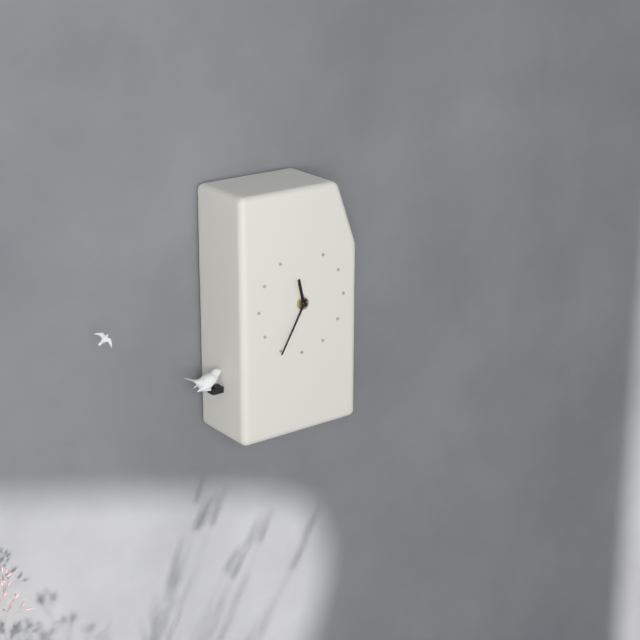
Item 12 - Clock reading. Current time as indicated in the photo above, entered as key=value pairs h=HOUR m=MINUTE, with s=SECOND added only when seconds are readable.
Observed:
h=11 m=35
